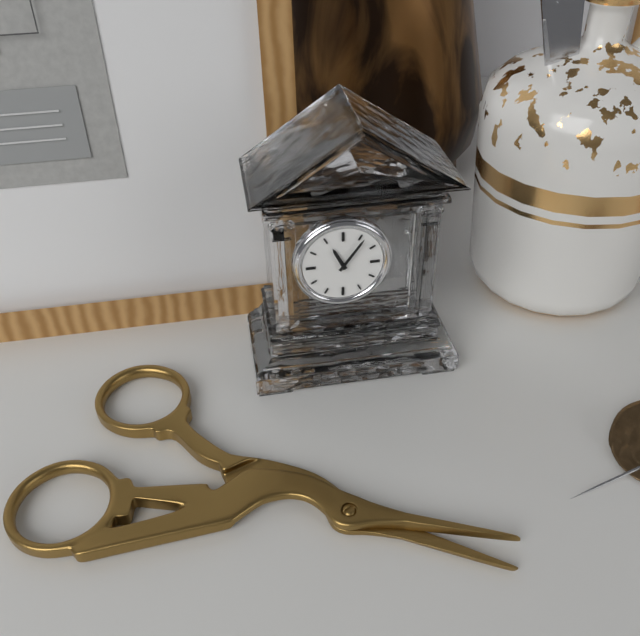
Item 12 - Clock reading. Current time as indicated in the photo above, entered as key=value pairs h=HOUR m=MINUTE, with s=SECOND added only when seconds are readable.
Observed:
h=11 m=6
